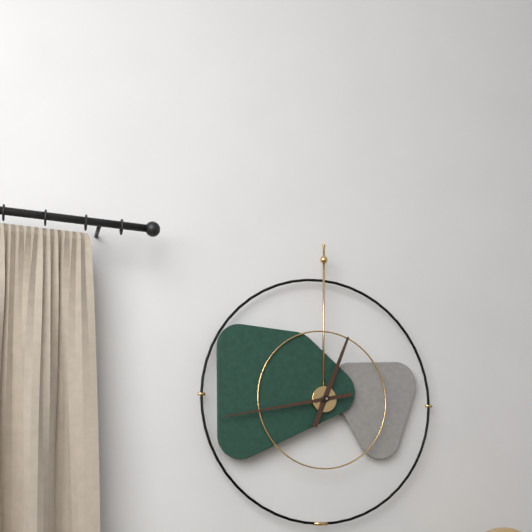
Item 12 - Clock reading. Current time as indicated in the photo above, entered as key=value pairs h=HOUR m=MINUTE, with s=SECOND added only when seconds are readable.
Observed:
h=12 m=43
